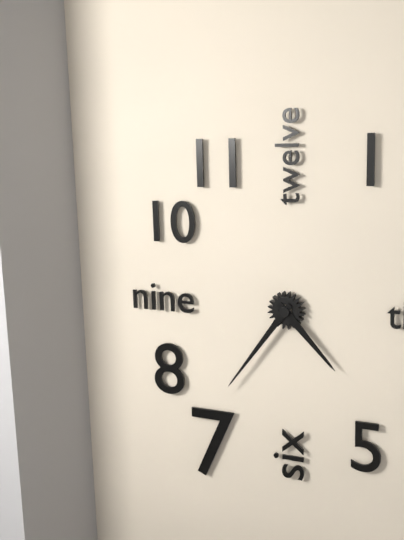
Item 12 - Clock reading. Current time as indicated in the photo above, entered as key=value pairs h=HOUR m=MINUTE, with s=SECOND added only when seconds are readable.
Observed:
h=4 m=36
